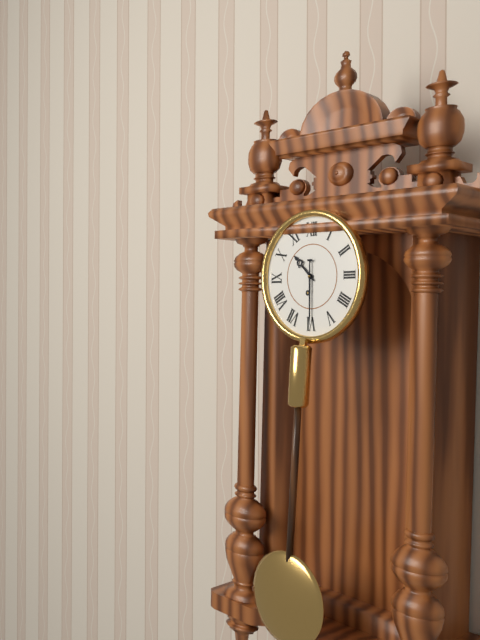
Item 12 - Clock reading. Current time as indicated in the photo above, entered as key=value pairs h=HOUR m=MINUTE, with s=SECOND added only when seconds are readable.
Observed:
h=10 m=30
